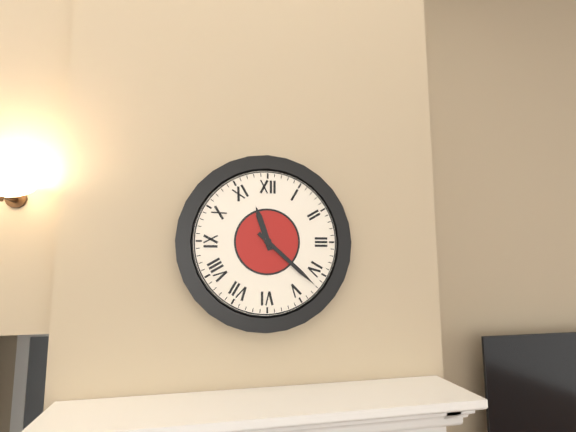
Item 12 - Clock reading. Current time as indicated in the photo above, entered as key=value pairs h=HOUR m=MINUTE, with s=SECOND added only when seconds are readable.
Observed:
h=11 m=22
